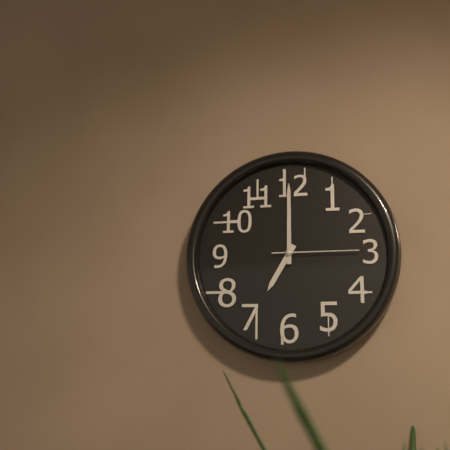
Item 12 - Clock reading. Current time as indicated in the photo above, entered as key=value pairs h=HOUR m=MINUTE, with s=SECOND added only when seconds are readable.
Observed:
h=7 m=0 s=15
